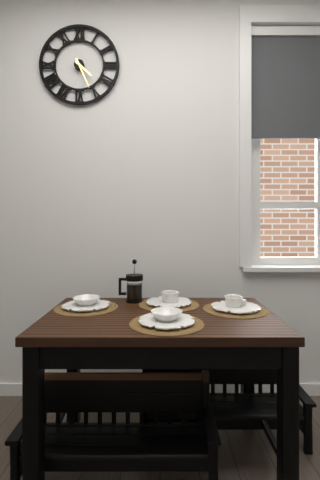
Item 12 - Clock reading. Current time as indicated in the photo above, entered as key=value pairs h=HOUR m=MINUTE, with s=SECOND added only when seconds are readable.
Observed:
h=4 m=26
